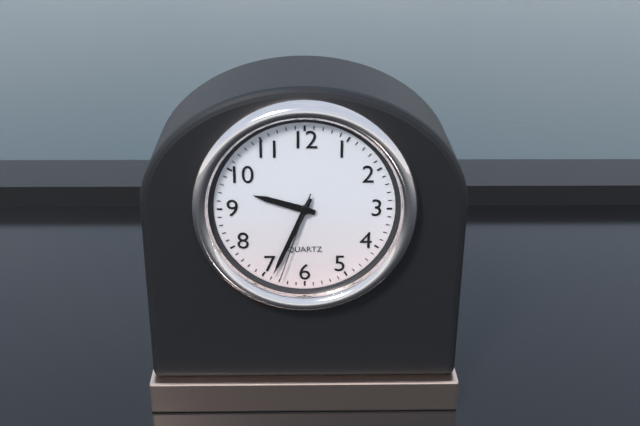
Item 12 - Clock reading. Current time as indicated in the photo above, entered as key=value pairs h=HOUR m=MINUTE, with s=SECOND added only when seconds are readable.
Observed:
h=9 m=34 s=33
